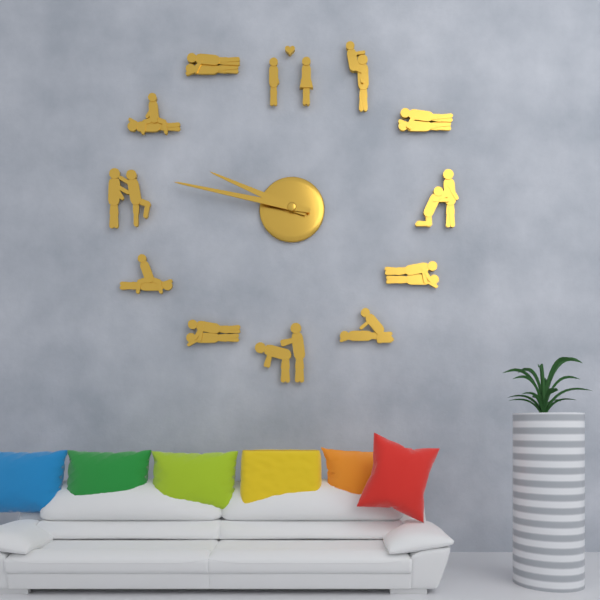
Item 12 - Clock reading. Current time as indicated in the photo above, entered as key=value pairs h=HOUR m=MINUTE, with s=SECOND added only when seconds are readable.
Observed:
h=9 m=47
